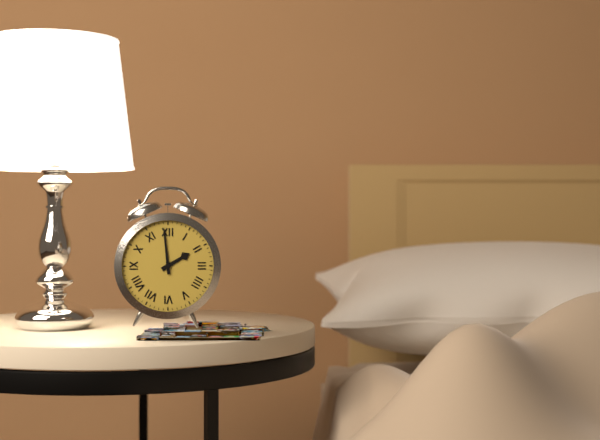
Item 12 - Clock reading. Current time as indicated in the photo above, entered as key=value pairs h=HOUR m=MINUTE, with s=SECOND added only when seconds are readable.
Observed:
h=1 m=59
